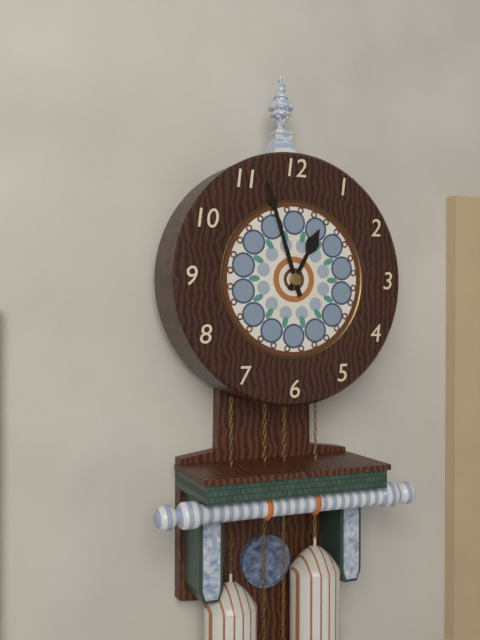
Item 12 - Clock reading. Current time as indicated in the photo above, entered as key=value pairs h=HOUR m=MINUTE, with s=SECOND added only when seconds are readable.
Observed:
h=12 m=57
